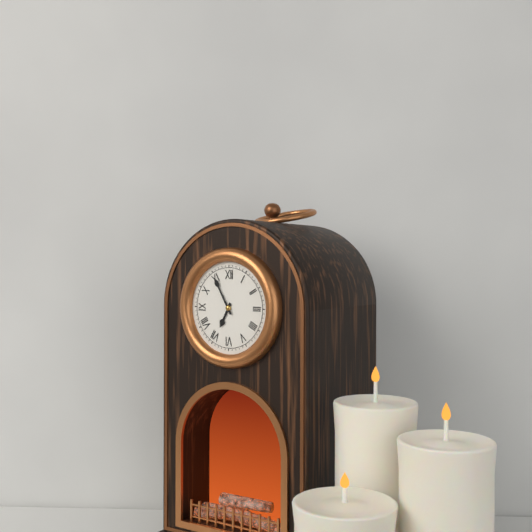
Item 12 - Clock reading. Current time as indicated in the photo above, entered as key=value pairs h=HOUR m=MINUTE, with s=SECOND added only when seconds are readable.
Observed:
h=6 m=55
